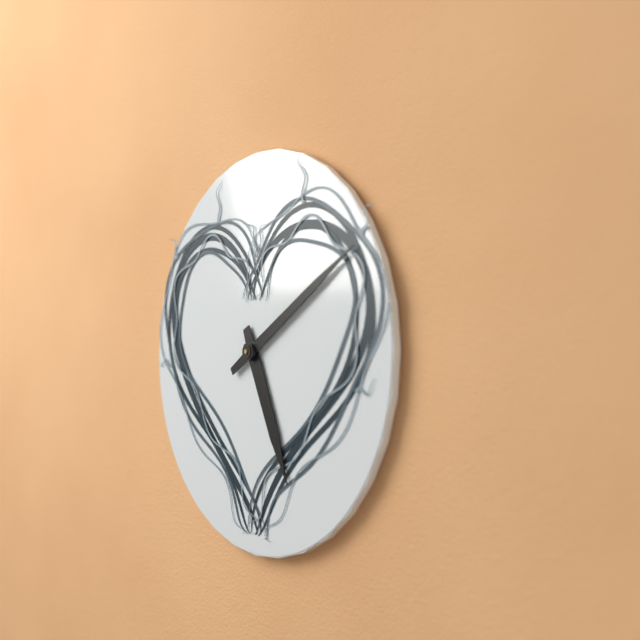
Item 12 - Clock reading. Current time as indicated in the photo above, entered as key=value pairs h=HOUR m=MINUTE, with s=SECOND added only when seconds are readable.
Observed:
h=5 m=10
